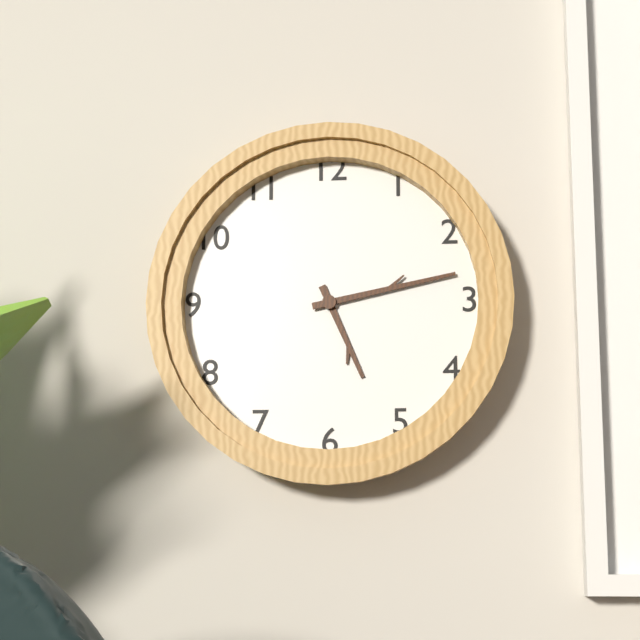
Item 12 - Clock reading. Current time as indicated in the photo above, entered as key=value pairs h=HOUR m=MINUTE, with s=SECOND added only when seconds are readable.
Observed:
h=5 m=13
